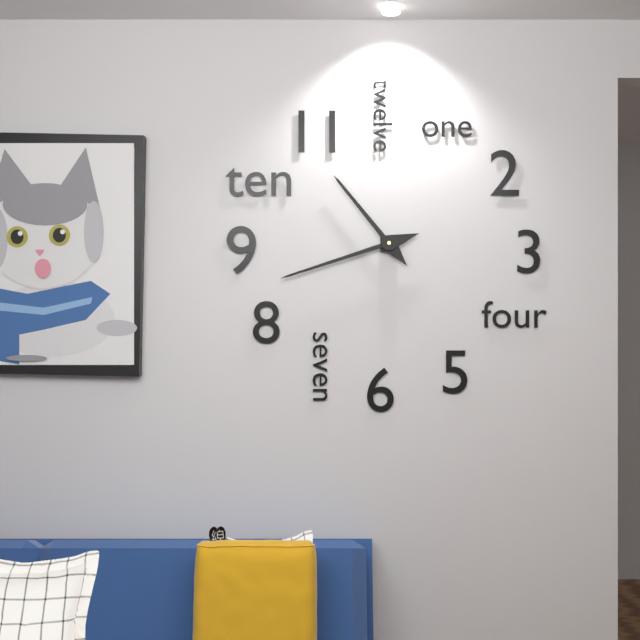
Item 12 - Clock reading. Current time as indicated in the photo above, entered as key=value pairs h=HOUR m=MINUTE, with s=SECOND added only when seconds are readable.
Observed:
h=10 m=42
